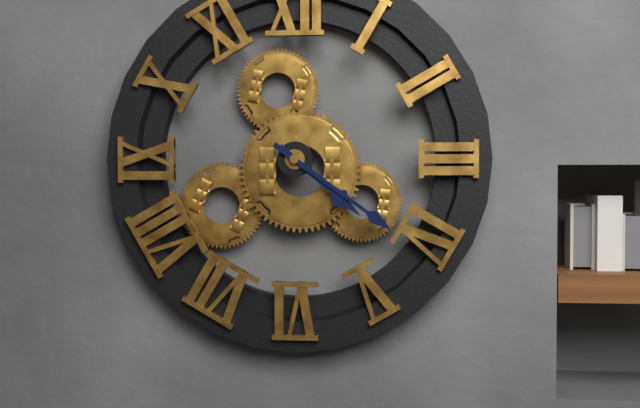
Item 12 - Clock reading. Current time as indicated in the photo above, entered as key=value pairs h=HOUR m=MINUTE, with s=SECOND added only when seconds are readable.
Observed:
h=4 m=21
